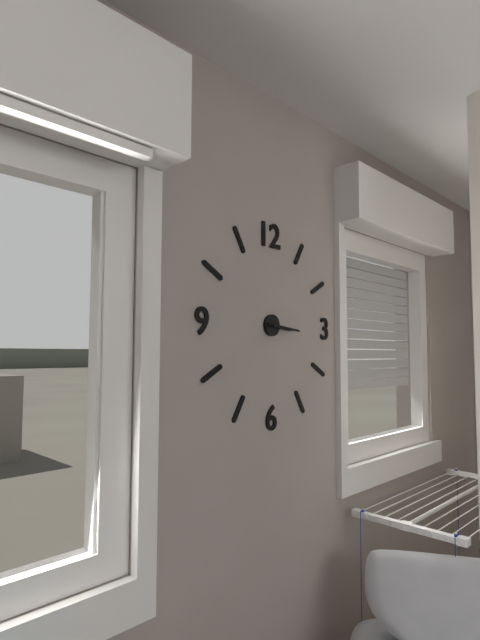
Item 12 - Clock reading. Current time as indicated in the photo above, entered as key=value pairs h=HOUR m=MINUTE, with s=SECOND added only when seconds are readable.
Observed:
h=3 m=16
